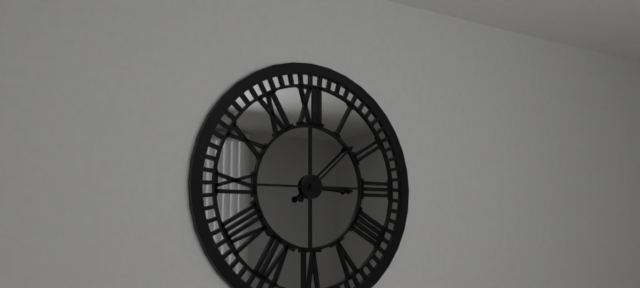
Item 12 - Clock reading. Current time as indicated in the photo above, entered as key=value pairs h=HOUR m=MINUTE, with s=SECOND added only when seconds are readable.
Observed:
h=3 m=8
